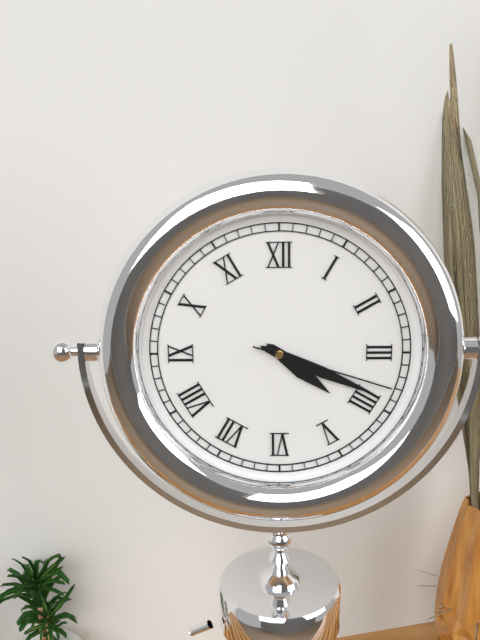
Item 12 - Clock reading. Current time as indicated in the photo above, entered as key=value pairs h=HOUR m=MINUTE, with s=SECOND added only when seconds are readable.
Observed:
h=4 m=19 s=18
